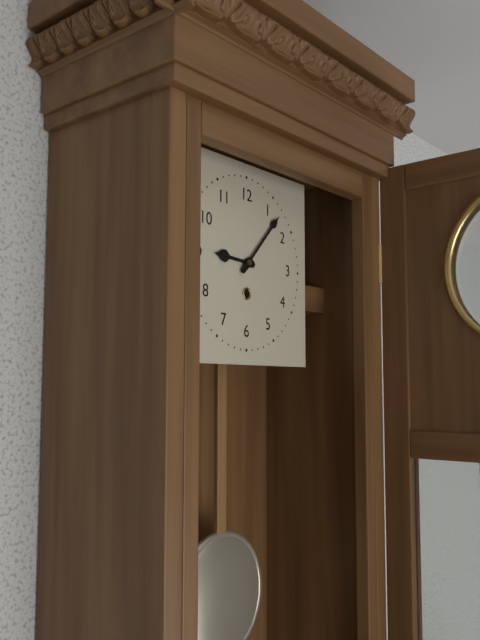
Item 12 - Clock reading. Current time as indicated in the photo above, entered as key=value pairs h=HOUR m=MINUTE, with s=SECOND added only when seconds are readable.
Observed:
h=9 m=7
